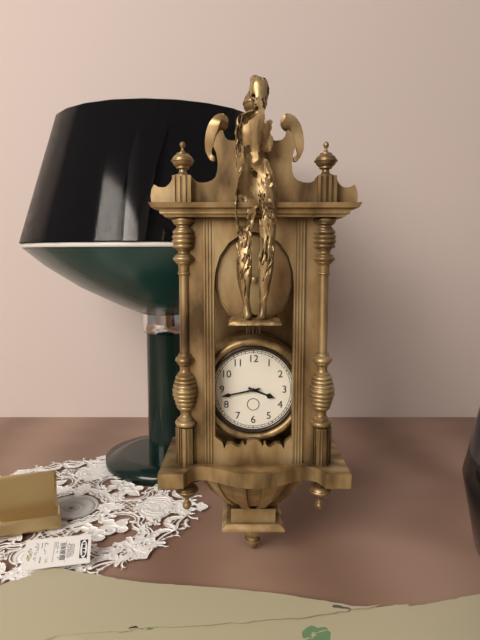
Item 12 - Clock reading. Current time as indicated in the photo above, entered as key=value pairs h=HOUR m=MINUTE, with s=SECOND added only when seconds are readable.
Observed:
h=3 m=43
